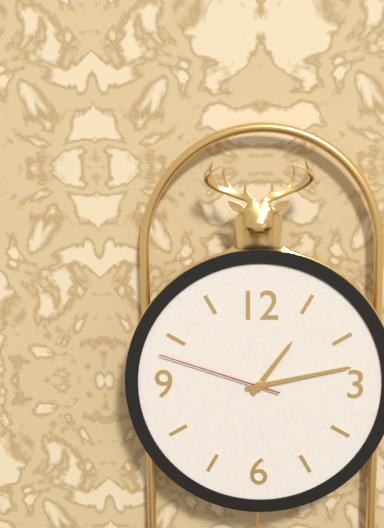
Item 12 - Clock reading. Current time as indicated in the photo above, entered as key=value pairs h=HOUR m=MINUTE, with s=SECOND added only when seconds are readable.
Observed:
h=1 m=13 s=48
